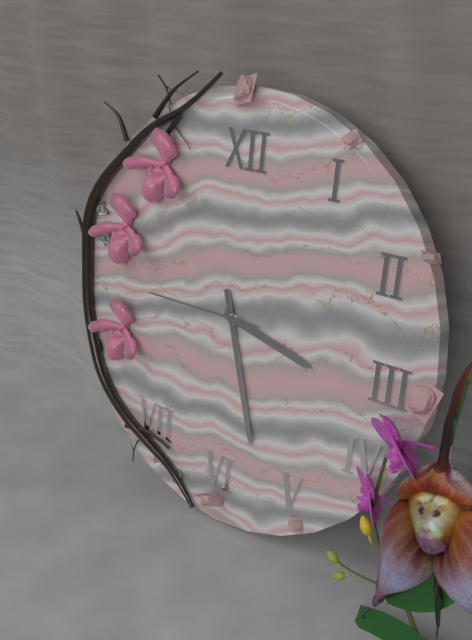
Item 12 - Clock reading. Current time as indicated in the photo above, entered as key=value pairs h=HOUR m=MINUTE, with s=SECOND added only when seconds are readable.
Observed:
h=3 m=27 s=45
